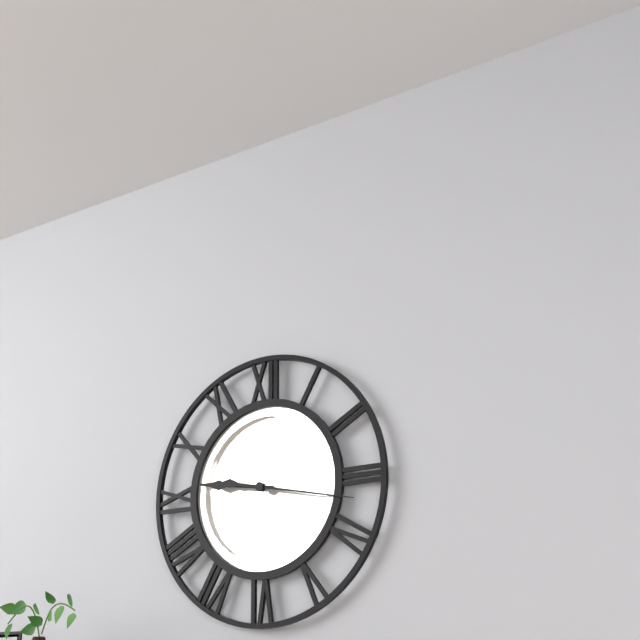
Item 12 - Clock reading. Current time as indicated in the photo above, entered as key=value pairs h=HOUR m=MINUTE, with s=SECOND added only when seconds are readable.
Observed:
h=9 m=17
